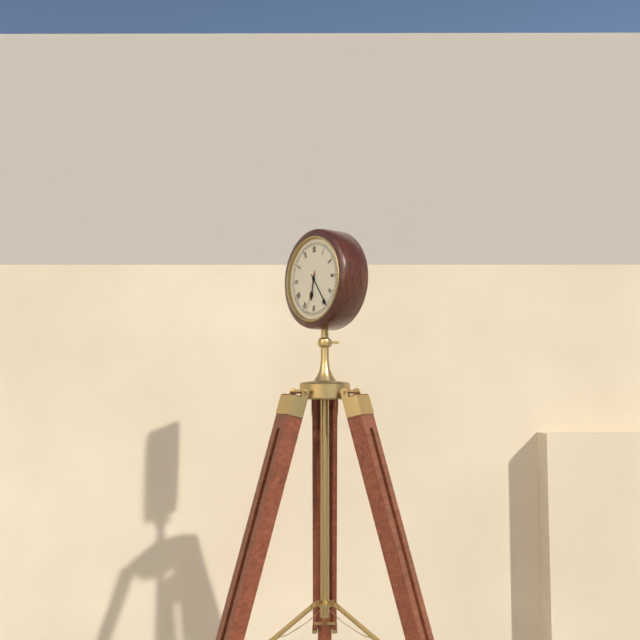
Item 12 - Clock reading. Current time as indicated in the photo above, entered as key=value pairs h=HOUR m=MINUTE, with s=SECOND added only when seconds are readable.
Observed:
h=6 m=24
